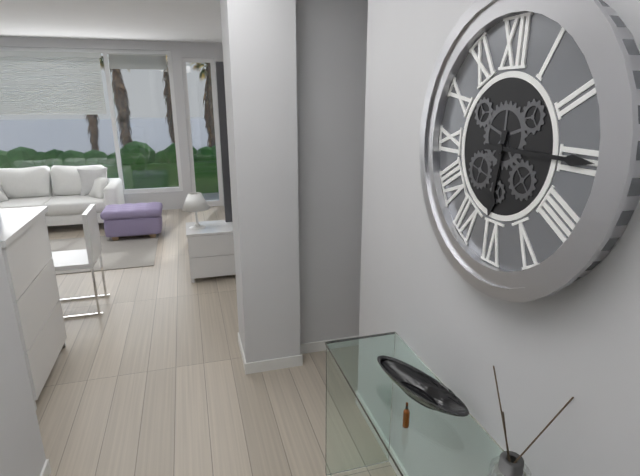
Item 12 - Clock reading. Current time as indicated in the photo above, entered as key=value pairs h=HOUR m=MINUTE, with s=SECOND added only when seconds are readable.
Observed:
h=6 m=15
